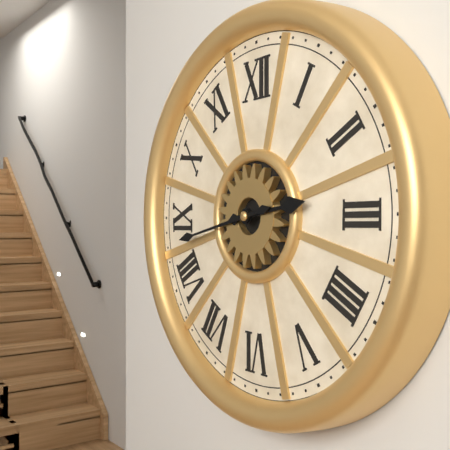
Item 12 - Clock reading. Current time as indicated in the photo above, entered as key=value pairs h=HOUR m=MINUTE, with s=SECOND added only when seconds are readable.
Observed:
h=2 m=43
